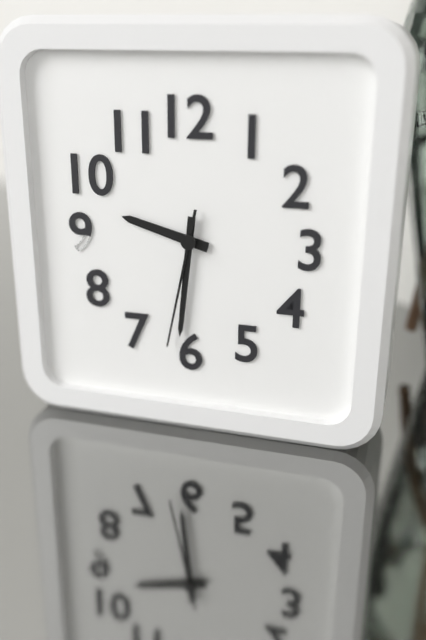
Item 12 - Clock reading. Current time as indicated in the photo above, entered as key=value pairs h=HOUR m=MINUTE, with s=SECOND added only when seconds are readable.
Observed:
h=9 m=31 s=32
